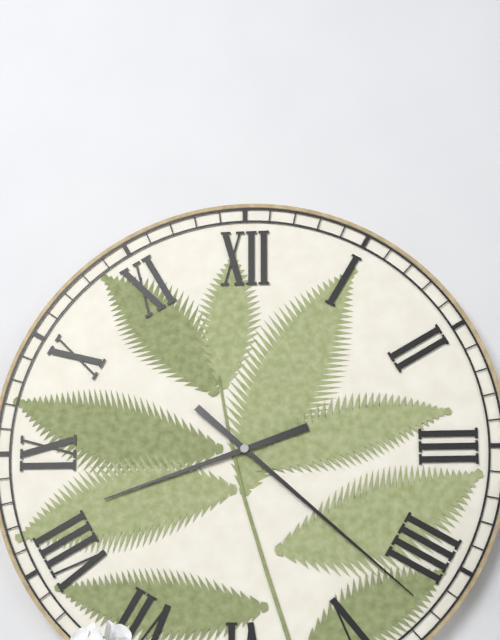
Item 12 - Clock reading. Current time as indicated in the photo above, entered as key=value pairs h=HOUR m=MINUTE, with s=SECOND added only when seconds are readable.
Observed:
h=8 m=22
